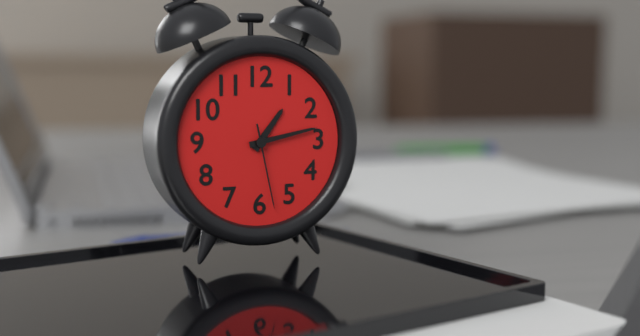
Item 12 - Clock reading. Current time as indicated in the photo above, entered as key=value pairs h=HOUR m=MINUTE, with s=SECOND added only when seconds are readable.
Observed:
h=1 m=13 s=28
